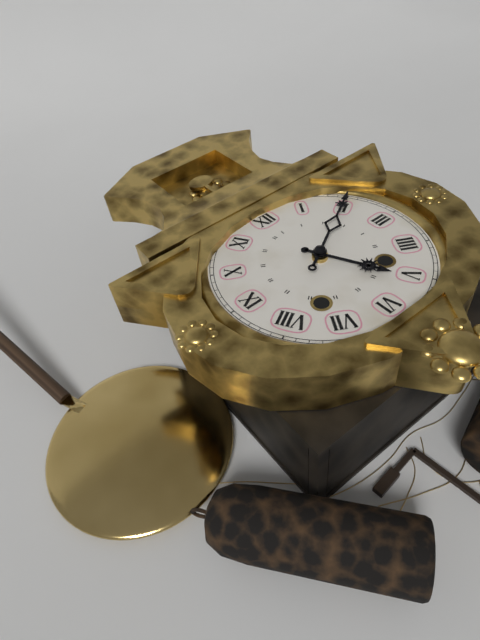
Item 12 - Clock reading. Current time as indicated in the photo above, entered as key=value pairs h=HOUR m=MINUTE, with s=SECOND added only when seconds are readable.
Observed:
h=5 m=10
